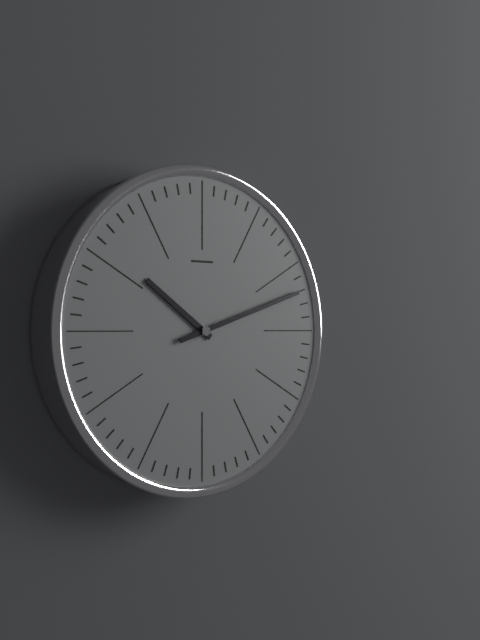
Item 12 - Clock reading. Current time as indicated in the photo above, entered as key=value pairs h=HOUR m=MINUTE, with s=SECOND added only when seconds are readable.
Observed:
h=10 m=12
